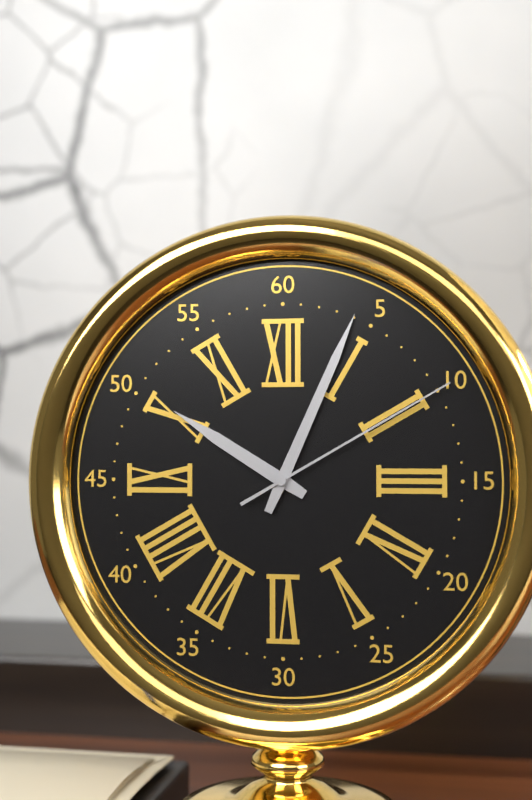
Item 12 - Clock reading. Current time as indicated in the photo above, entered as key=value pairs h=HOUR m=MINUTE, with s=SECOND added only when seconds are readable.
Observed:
h=10 m=4 s=10
